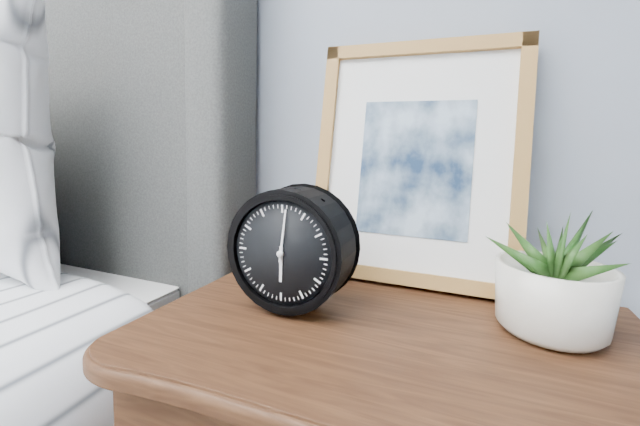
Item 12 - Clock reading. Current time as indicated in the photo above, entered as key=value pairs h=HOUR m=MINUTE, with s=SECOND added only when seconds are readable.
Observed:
h=6 m=1
